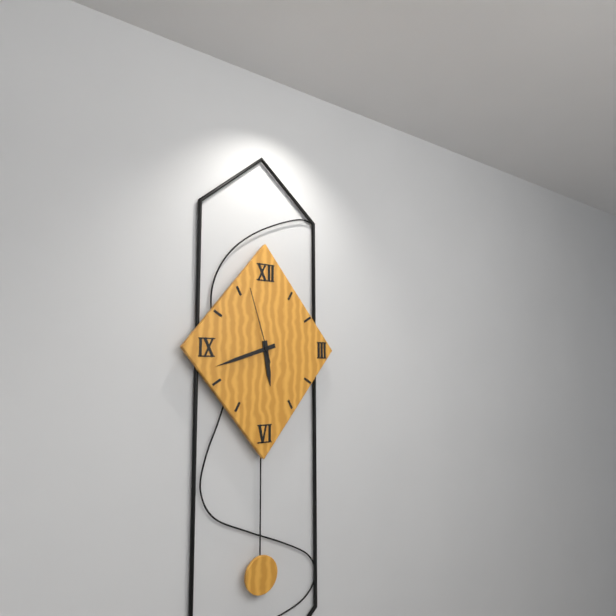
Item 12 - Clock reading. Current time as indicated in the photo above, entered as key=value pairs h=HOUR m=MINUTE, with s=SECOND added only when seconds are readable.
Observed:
h=5 m=42 s=57
